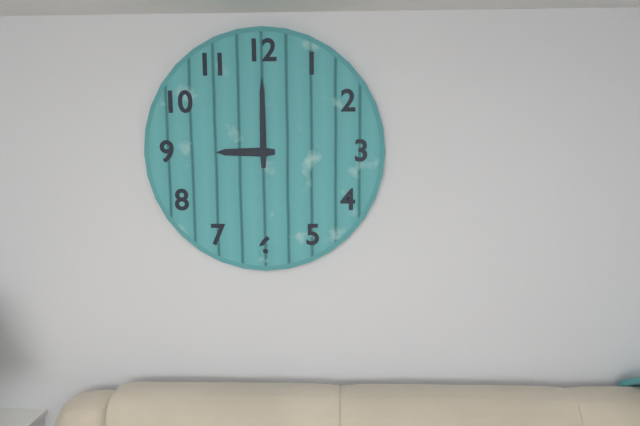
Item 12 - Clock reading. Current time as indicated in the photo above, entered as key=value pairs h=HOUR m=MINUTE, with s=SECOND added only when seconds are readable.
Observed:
h=9 m=0
